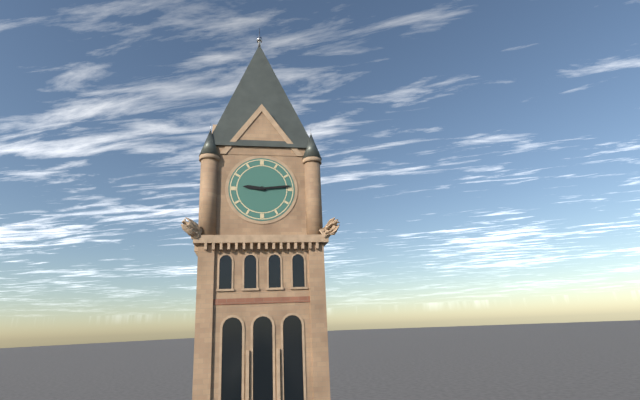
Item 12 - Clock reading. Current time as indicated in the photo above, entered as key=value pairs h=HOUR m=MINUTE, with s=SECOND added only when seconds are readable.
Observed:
h=9 m=14
